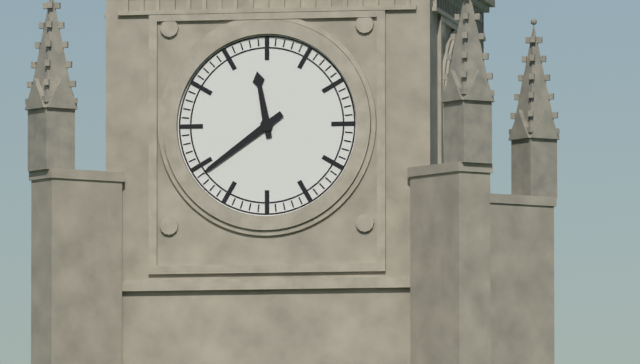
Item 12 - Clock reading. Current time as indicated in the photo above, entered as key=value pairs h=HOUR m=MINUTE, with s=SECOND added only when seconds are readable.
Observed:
h=11 m=39
